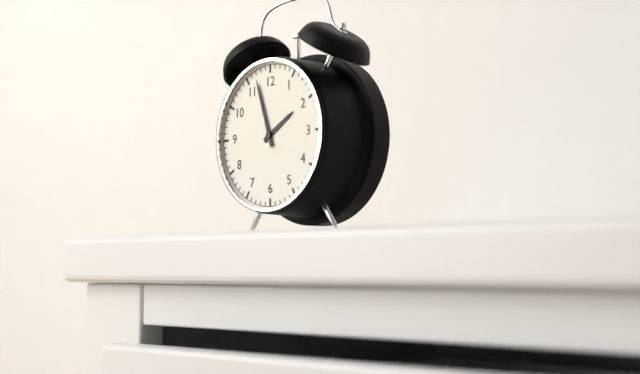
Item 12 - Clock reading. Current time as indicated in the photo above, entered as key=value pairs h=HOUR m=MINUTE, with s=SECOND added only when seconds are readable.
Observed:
h=1 m=57
